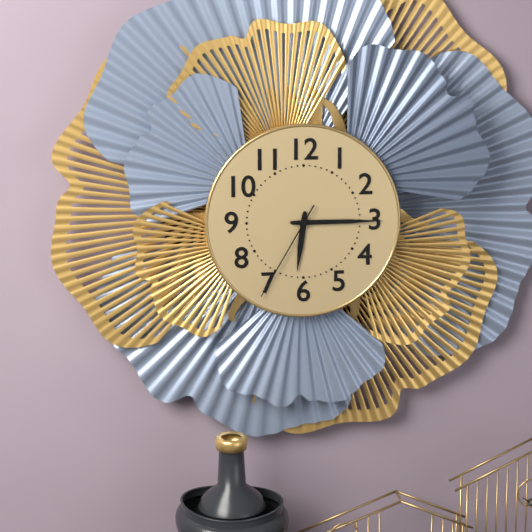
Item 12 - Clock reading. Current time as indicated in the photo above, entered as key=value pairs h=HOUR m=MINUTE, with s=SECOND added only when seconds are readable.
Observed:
h=6 m=15 s=35
